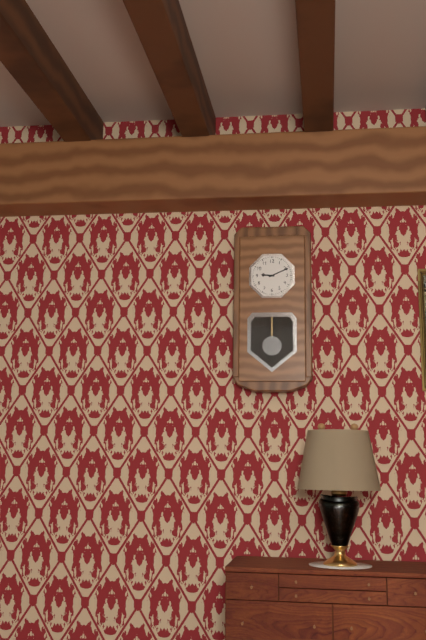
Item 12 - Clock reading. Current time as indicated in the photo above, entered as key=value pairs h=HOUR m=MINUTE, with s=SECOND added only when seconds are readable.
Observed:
h=9 m=11
